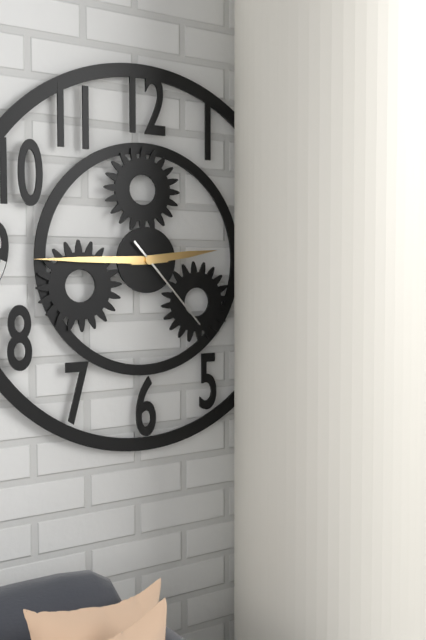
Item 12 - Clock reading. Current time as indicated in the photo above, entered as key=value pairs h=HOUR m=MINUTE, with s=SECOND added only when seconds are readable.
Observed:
h=2 m=45 s=23
